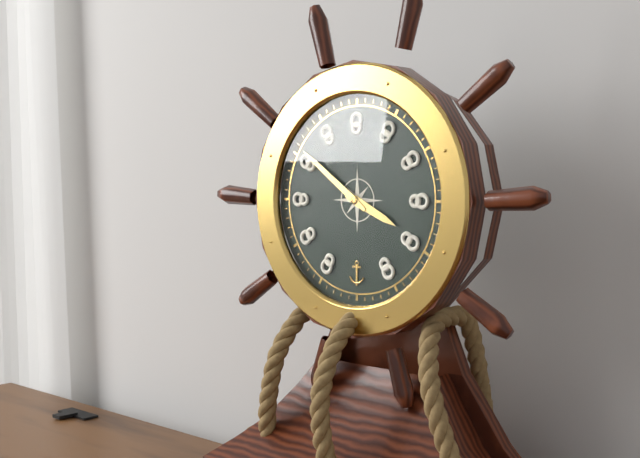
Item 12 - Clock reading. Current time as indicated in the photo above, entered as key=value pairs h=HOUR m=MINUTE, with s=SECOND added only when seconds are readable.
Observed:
h=3 m=51
